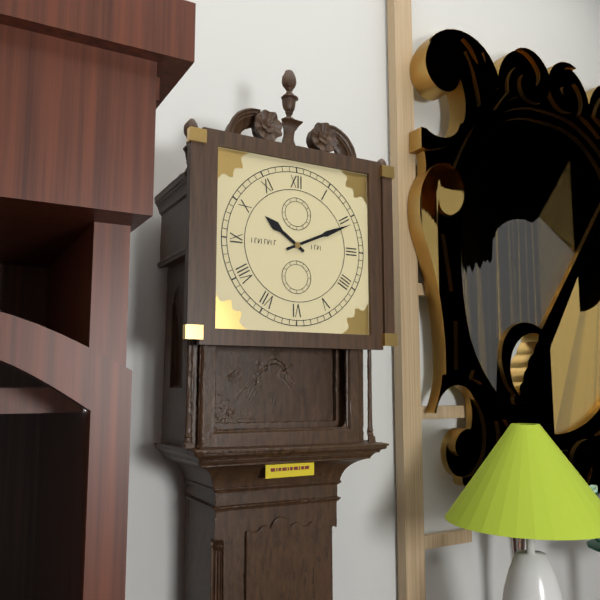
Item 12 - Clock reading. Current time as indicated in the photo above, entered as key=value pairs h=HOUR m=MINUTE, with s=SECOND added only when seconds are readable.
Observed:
h=10 m=11
